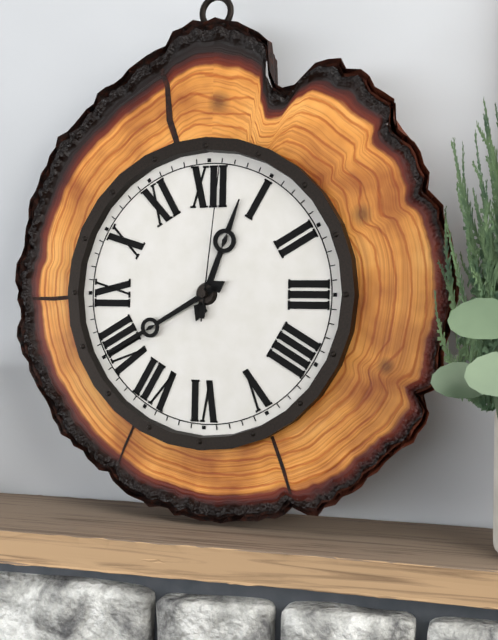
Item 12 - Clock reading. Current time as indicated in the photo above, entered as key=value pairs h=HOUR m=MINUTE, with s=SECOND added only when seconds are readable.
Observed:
h=12 m=40 s=1
